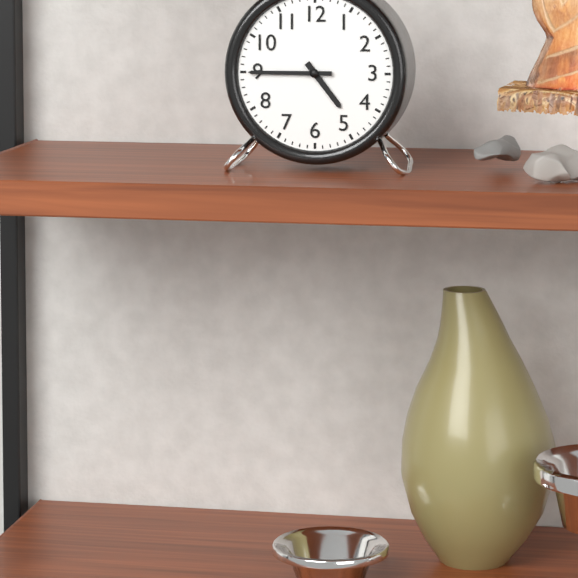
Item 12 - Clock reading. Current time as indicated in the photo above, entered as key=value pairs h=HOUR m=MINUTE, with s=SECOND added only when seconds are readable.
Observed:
h=4 m=45
